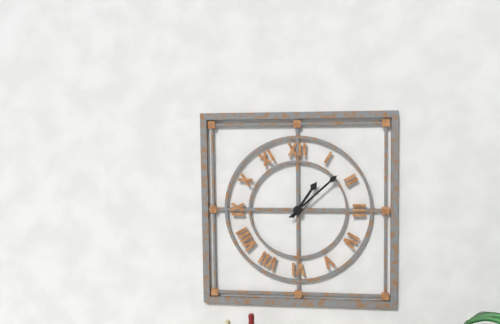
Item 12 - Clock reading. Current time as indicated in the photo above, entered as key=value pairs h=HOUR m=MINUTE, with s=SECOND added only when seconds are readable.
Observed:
h=1 m=8
